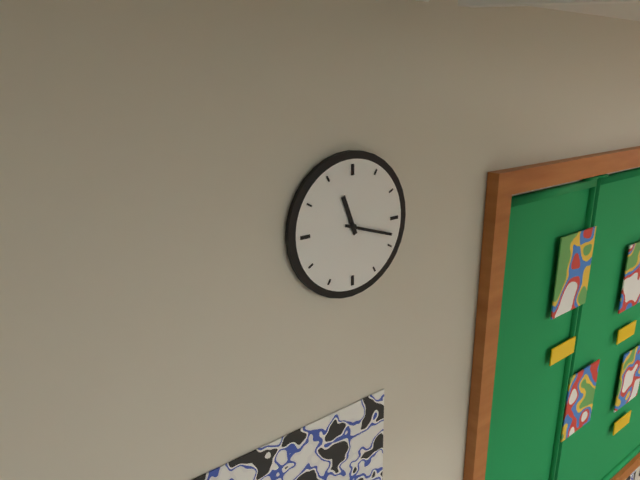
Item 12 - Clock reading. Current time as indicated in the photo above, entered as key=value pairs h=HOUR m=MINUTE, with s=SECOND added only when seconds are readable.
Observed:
h=11 m=18
